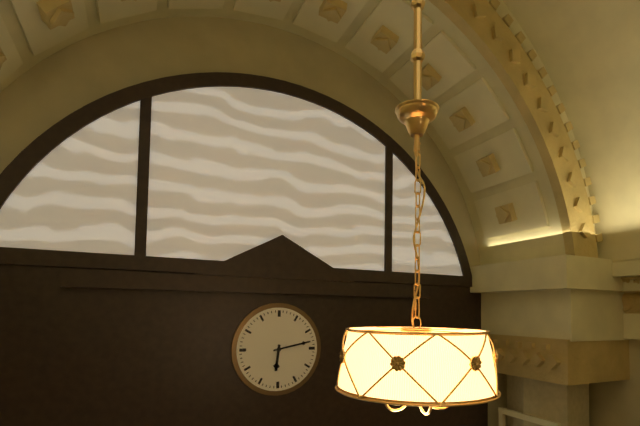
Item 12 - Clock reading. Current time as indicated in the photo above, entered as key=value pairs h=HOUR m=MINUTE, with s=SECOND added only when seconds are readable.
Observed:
h=6 m=13
